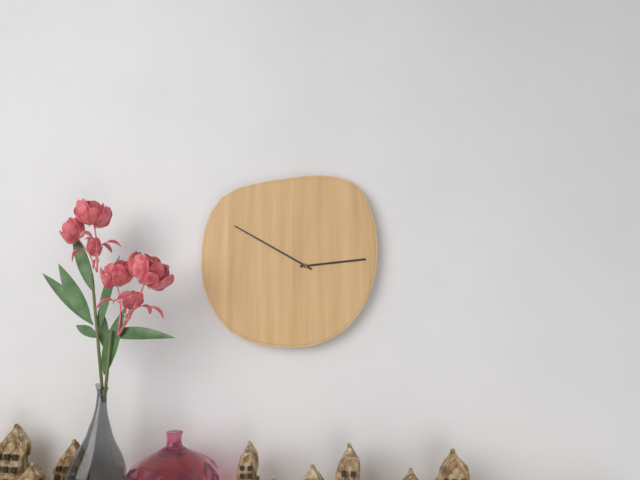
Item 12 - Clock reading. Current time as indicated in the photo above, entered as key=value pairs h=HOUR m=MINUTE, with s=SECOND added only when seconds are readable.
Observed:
h=2 m=50
